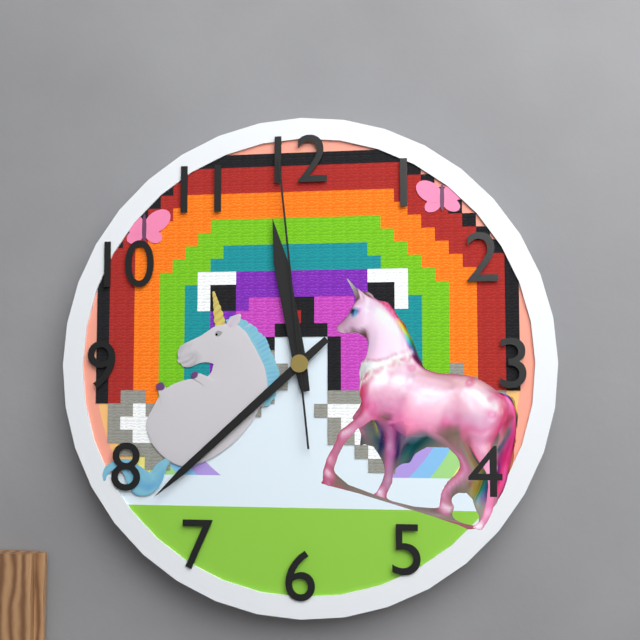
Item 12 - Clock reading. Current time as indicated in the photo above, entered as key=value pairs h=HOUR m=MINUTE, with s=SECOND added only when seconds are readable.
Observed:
h=11 m=38 s=59
